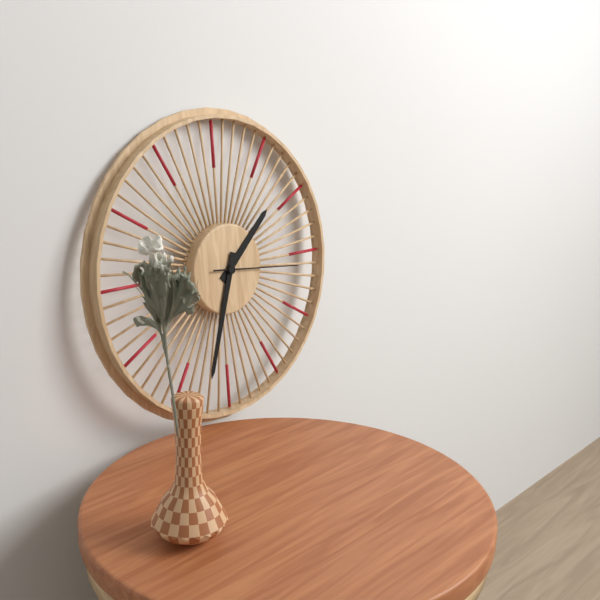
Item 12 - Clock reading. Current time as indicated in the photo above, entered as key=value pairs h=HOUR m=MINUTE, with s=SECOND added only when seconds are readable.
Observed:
h=1 m=33 s=16
